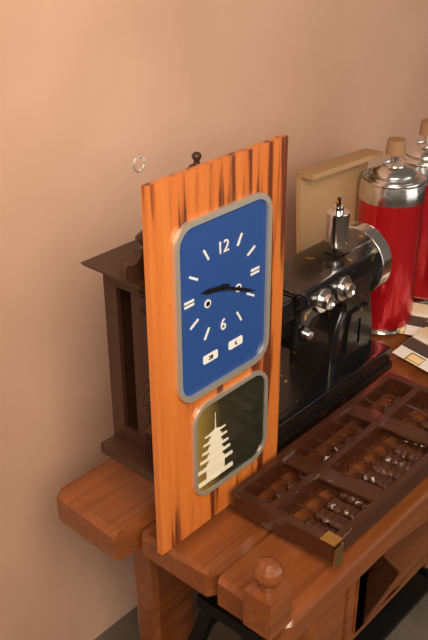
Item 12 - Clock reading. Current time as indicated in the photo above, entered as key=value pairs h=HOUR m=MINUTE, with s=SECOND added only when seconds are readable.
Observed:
h=9 m=19
